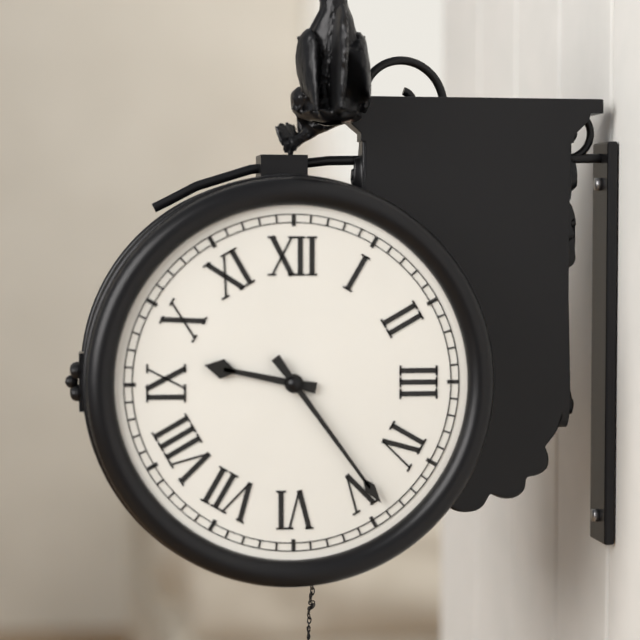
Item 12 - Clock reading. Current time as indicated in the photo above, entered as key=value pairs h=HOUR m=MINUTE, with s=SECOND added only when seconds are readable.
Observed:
h=9 m=24
